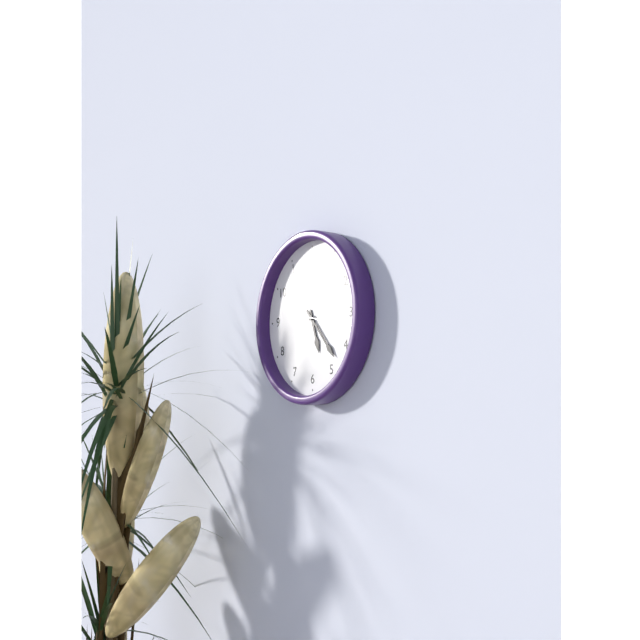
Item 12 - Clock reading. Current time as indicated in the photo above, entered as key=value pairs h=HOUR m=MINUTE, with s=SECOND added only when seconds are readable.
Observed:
h=5 m=23 s=17
